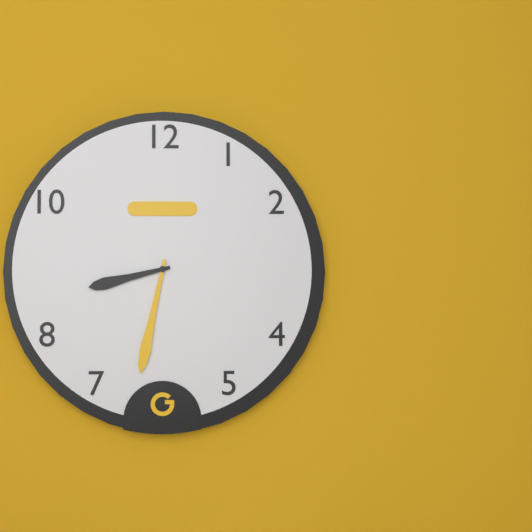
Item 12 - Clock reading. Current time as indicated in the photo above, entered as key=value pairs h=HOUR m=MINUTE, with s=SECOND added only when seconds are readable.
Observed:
h=8 m=32
